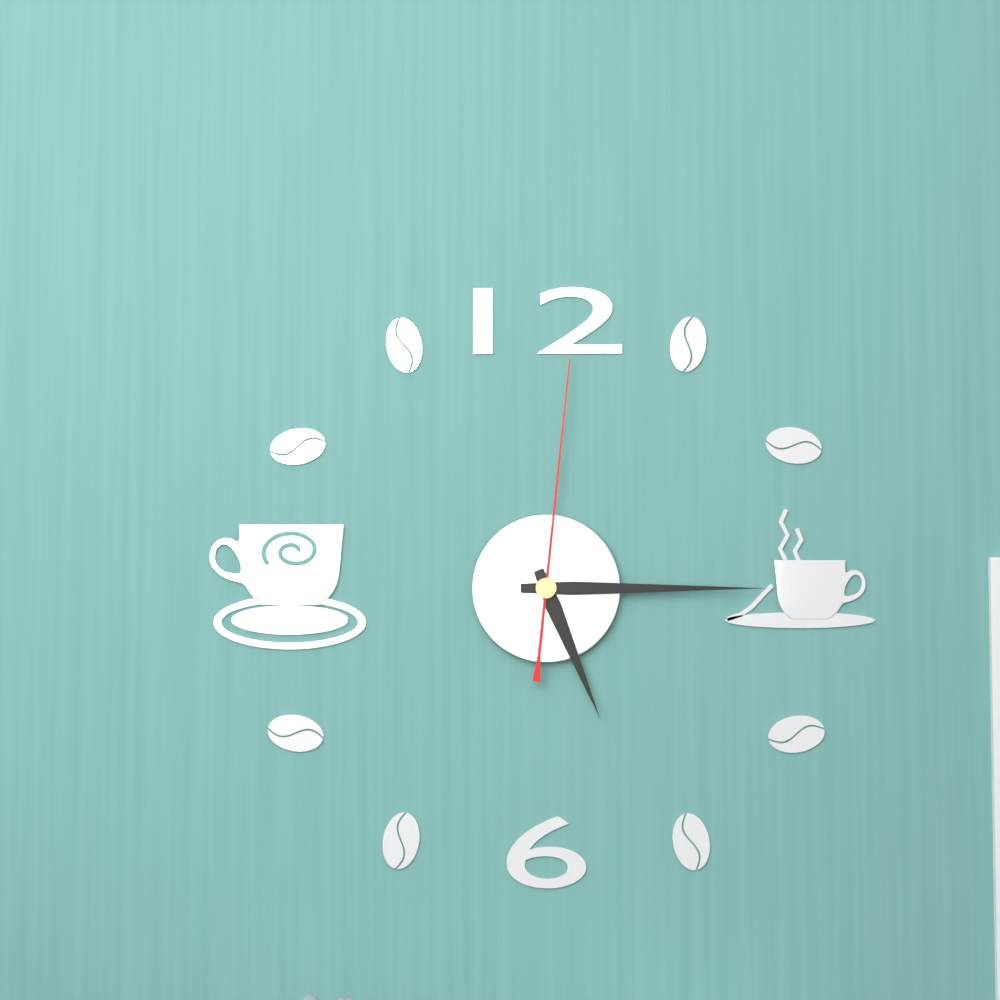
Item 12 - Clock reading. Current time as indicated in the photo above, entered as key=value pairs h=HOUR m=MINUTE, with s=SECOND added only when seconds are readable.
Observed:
h=5 m=15 s=1
